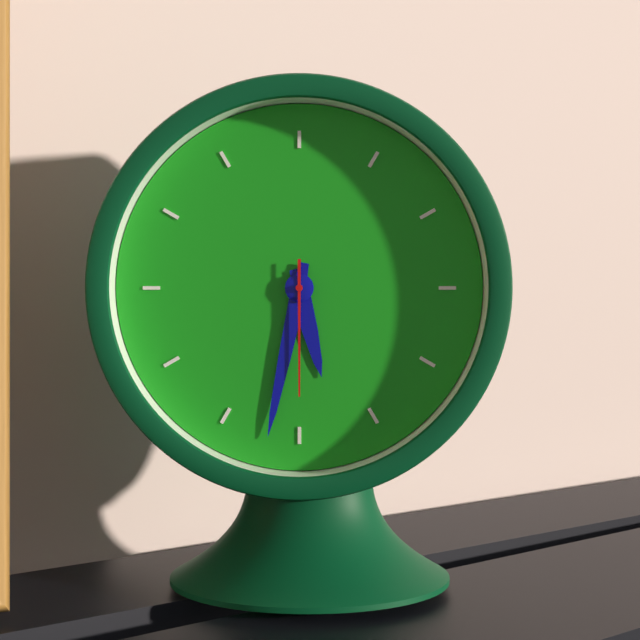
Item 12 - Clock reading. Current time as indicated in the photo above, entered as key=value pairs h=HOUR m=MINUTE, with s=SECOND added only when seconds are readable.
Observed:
h=5 m=32 s=30
